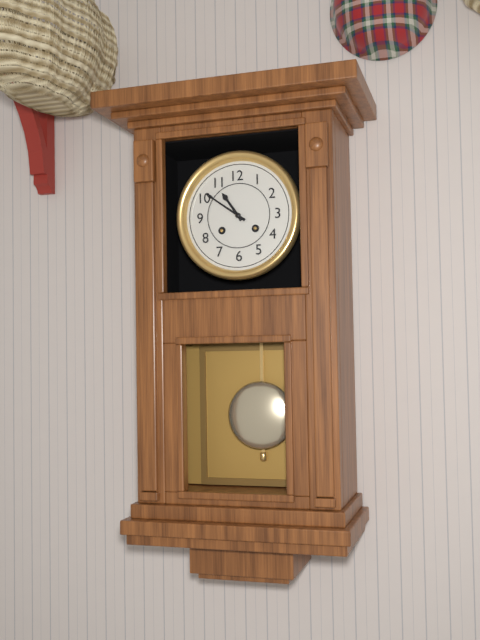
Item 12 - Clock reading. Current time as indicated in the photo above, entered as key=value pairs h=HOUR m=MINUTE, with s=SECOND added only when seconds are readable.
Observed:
h=10 m=51
